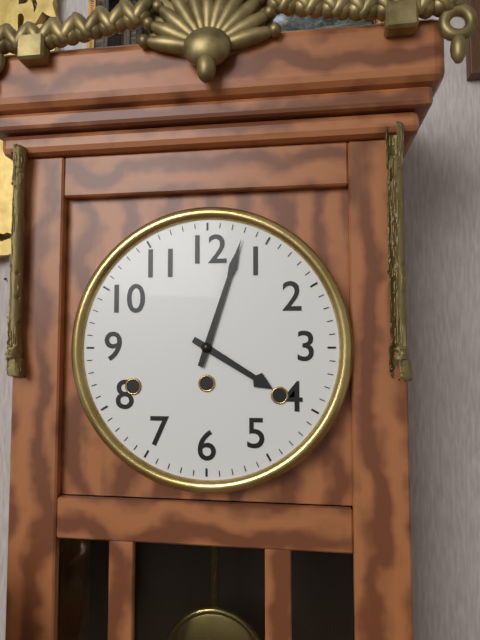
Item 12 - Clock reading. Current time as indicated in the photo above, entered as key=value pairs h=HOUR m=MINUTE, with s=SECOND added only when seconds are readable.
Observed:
h=4 m=3
